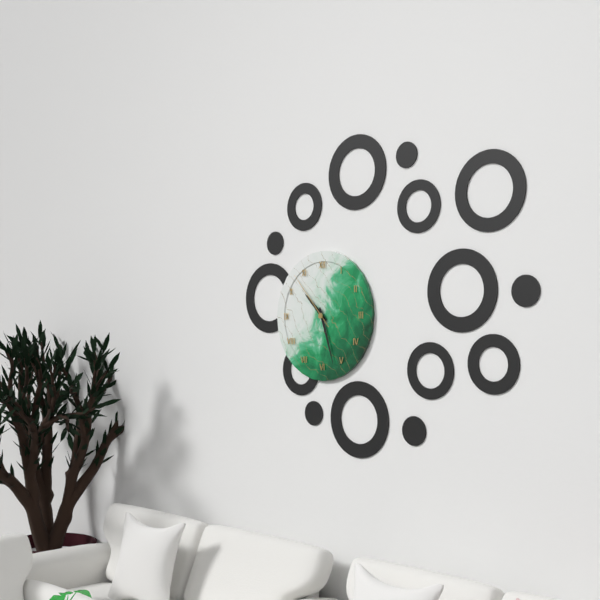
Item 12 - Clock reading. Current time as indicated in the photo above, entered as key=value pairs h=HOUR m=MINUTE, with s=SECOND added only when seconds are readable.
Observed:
h=10 m=27 s=53
